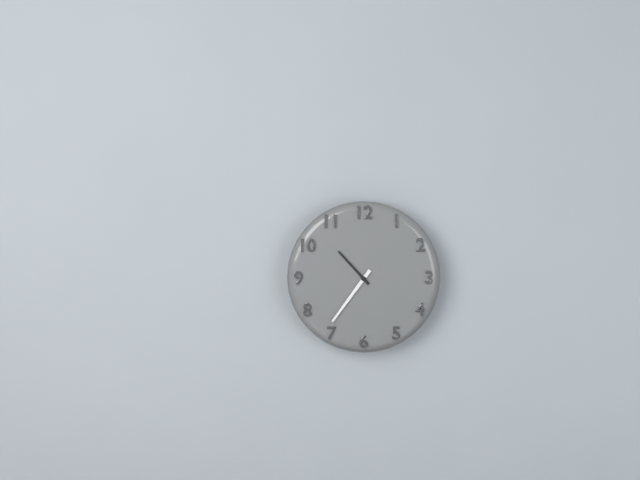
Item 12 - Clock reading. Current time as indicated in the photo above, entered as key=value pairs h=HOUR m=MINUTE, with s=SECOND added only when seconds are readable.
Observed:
h=10 m=36
